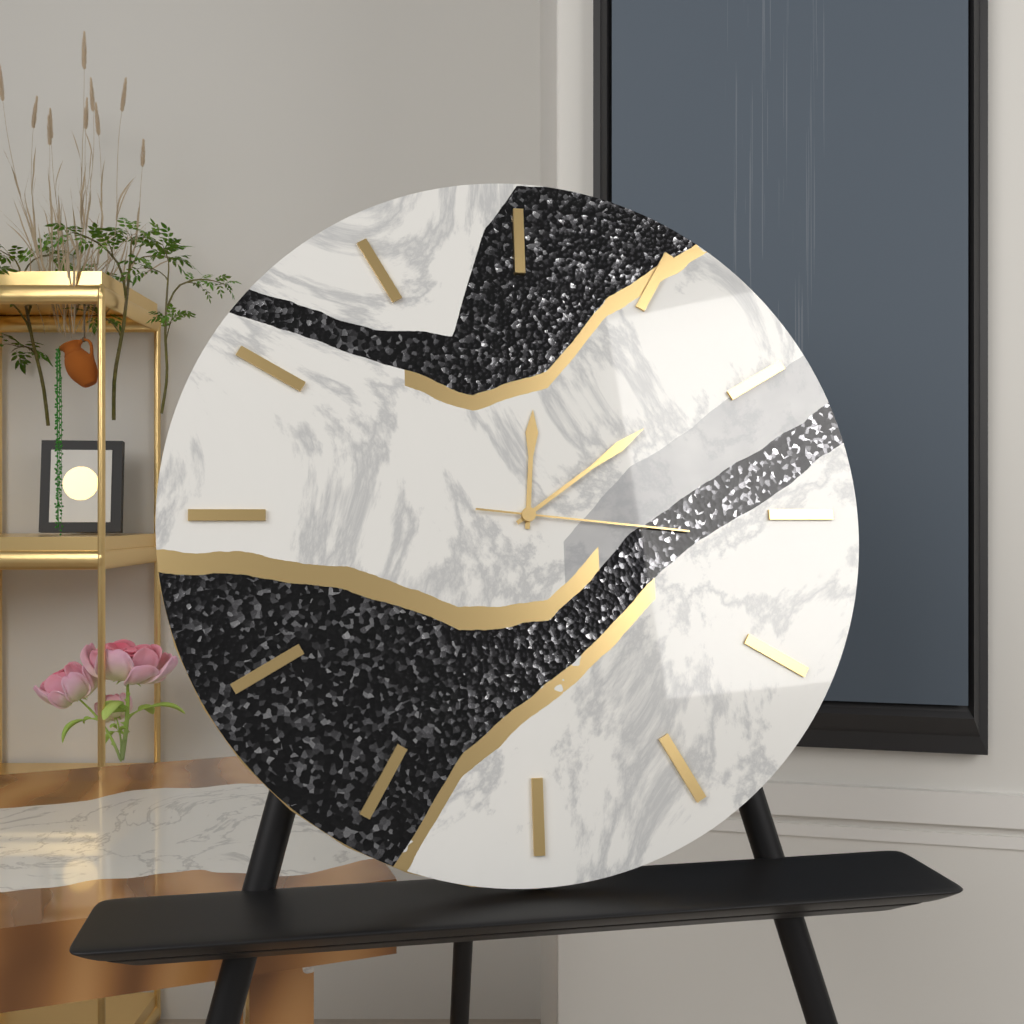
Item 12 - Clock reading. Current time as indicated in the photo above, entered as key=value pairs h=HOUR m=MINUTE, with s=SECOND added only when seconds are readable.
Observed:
h=12 m=9 s=16
